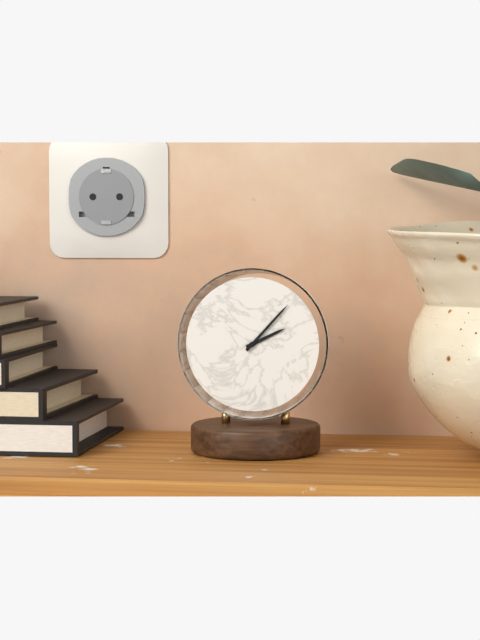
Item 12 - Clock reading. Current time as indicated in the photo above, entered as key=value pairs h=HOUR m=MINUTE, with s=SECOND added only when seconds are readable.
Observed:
h=2 m=7
